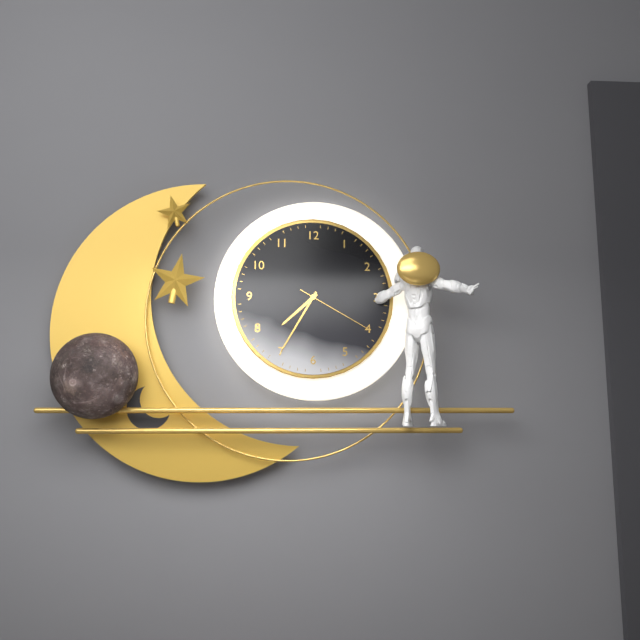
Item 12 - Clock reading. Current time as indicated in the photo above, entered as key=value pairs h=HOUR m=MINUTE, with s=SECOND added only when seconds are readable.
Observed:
h=7 m=35 s=20
